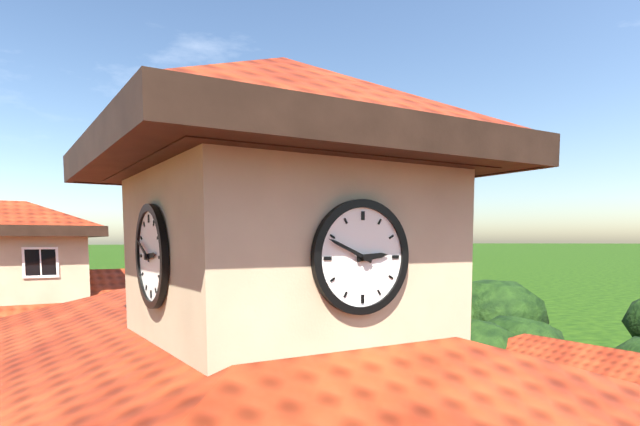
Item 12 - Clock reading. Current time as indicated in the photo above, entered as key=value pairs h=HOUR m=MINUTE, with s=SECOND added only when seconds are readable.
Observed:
h=2 m=49
